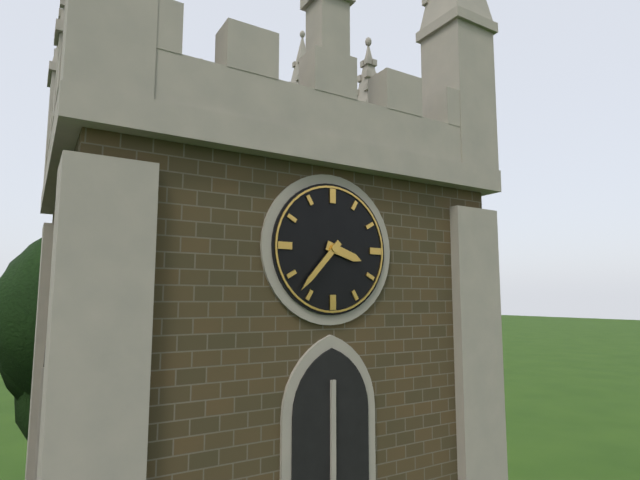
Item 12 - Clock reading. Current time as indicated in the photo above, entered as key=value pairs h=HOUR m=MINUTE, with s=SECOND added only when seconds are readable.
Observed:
h=3 m=37
